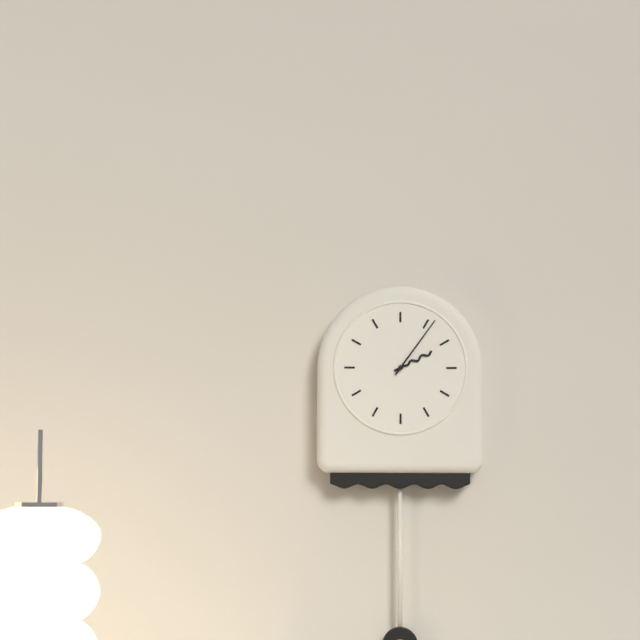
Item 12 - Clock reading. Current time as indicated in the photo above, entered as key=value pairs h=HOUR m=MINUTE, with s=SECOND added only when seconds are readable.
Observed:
h=2 m=6
